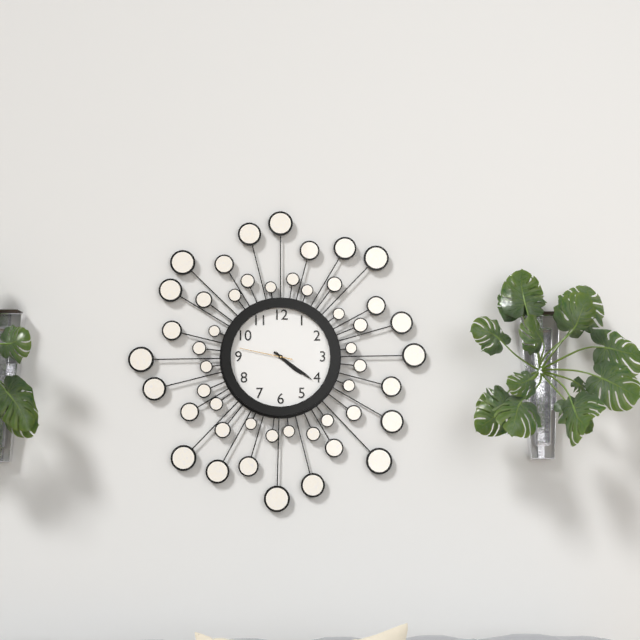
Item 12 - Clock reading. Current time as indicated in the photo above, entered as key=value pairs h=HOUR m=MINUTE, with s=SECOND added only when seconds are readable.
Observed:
h=4 m=21 s=47
